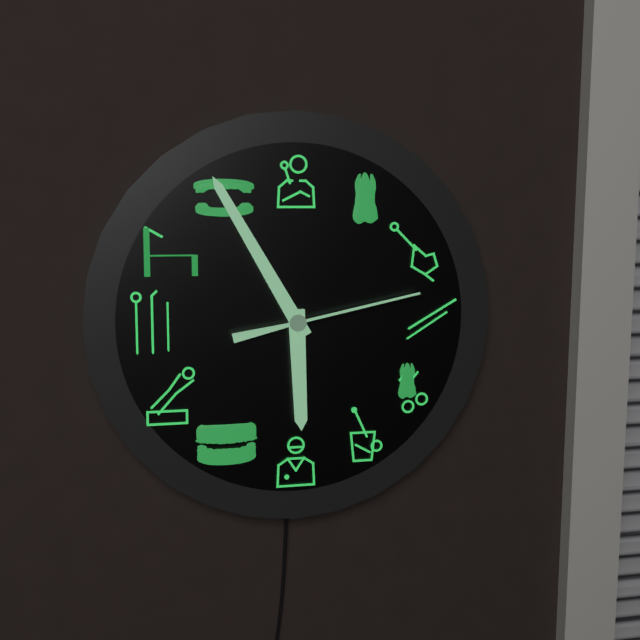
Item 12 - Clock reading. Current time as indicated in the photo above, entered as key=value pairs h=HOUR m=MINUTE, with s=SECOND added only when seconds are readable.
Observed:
h=5 m=55 s=13
